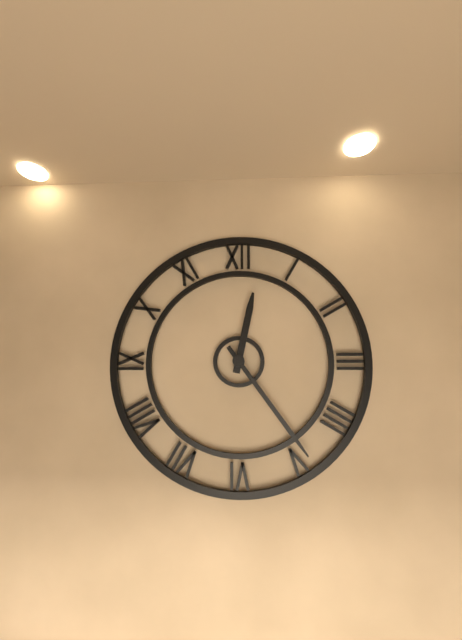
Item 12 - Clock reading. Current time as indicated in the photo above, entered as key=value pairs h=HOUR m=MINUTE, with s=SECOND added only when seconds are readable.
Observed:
h=12 m=24
